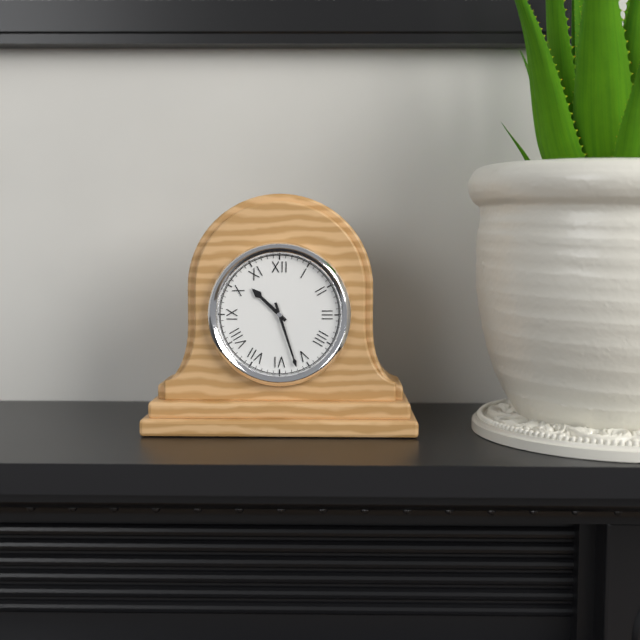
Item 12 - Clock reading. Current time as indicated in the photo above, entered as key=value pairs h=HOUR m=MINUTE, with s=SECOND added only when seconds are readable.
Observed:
h=10 m=27
